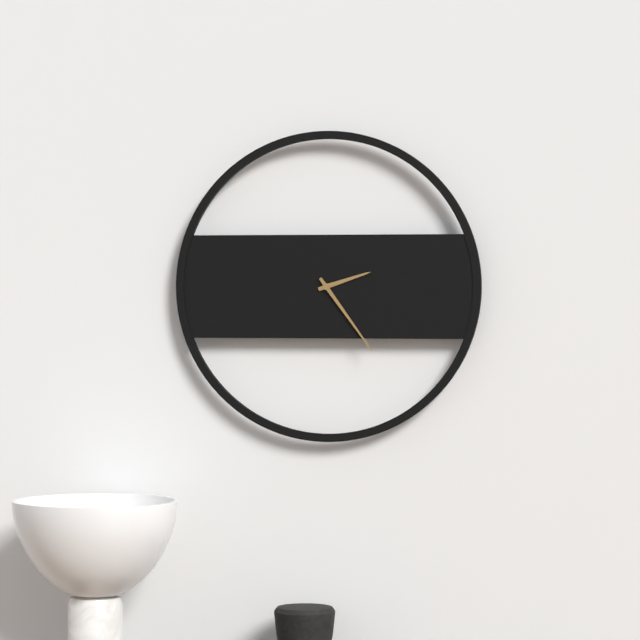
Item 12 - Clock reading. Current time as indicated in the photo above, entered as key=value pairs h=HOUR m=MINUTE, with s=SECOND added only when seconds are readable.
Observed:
h=2 m=24
